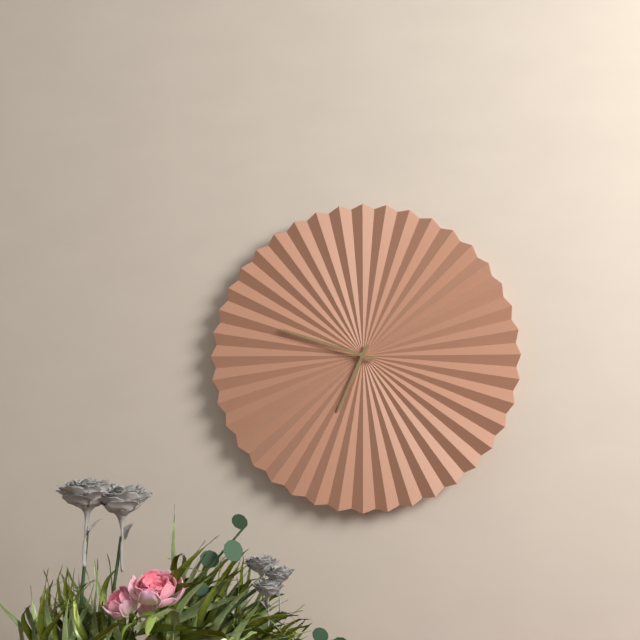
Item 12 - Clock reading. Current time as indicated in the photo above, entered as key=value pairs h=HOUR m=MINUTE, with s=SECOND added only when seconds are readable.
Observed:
h=6 m=48
